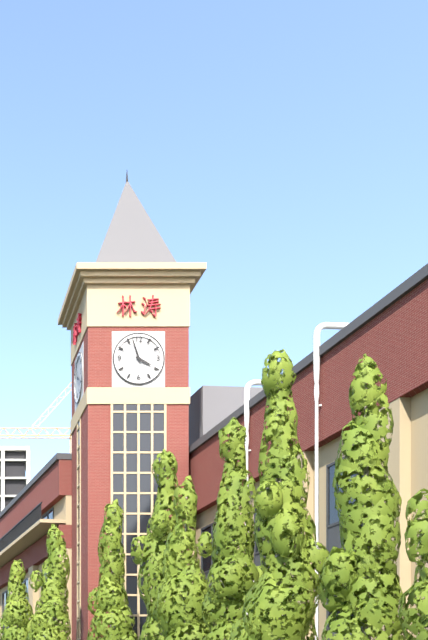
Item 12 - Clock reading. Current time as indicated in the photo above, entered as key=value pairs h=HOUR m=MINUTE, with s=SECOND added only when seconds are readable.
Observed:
h=3 m=57
